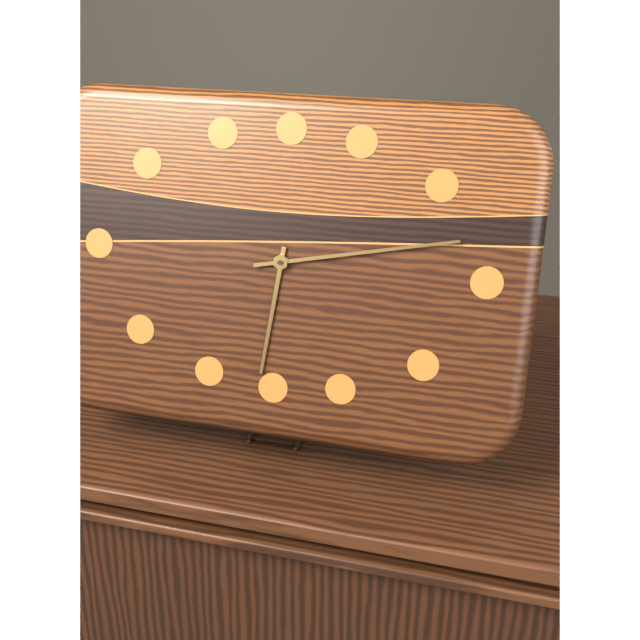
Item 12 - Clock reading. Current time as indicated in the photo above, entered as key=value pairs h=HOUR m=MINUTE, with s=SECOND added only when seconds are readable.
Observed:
h=6 m=13
